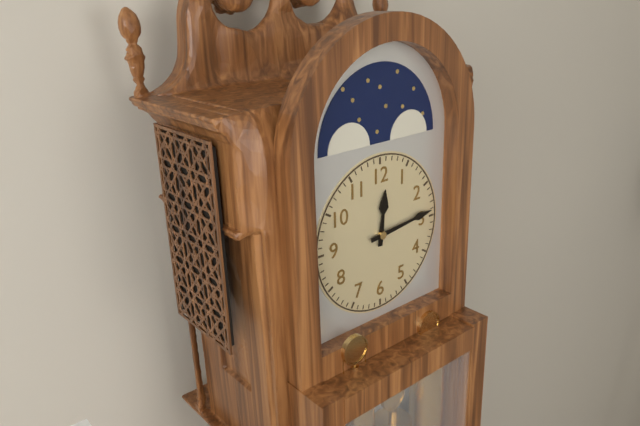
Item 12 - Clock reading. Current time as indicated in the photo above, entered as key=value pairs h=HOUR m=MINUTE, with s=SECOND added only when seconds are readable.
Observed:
h=12 m=14
